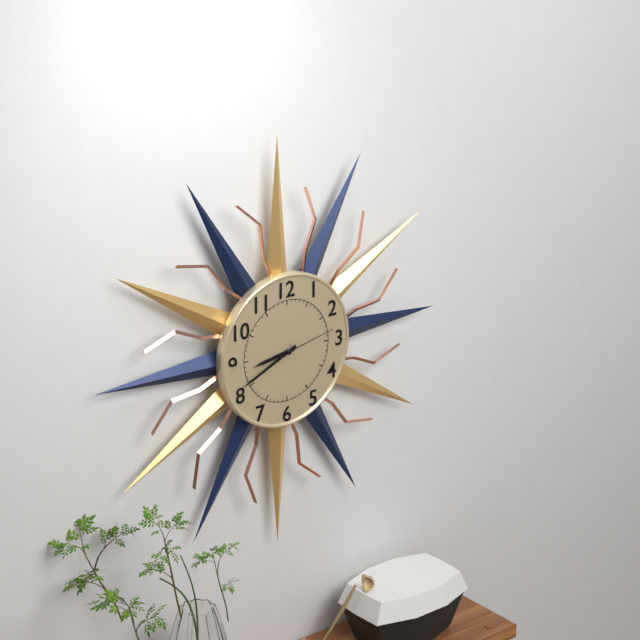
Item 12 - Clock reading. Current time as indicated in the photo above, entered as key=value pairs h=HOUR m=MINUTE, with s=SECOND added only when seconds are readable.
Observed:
h=8 m=41 s=13
